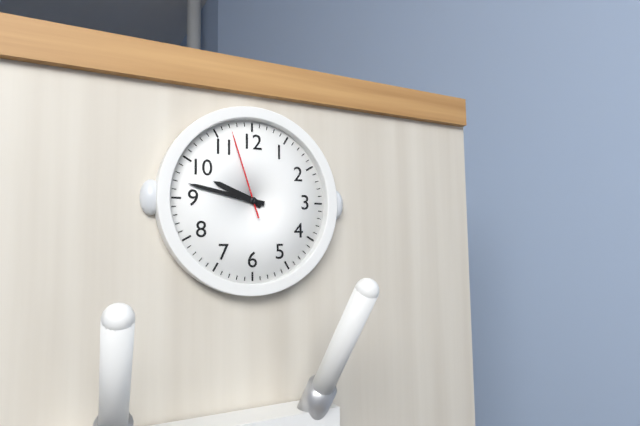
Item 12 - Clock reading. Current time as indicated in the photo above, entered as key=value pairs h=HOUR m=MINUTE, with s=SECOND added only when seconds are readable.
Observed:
h=9 m=47 s=57
